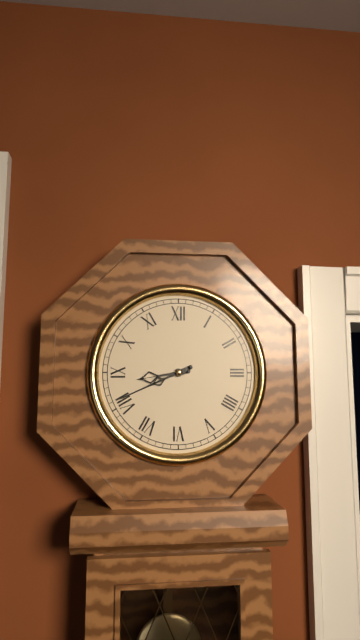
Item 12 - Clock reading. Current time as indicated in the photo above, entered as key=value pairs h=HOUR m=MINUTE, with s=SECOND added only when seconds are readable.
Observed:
h=8 m=41
